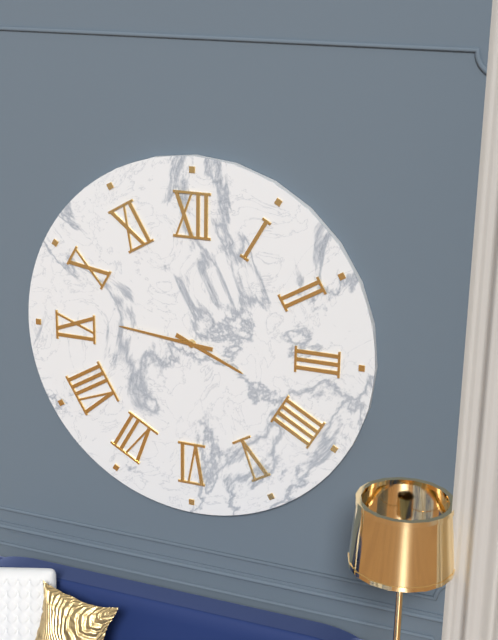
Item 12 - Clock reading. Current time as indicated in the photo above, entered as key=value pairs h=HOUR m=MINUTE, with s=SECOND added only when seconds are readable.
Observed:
h=3 m=46
